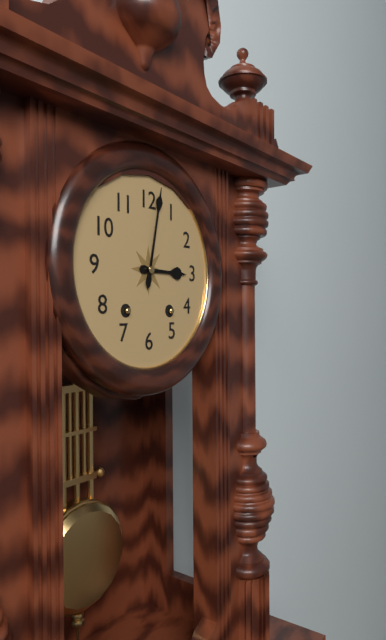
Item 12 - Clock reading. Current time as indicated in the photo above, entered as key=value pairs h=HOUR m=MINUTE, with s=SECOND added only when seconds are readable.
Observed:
h=3 m=2
